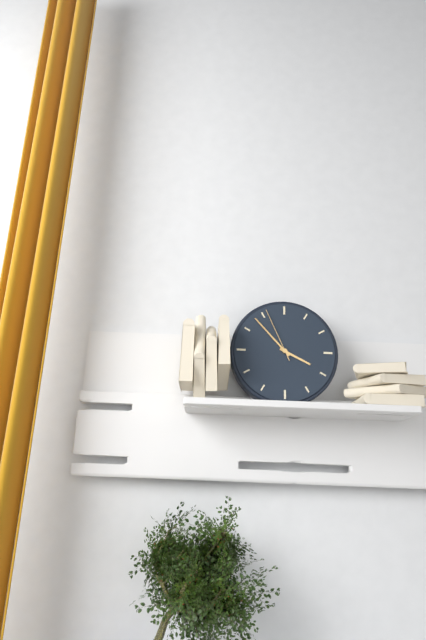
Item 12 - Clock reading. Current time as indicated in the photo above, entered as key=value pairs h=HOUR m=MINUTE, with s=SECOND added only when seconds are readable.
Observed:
h=3 m=53 s=56
